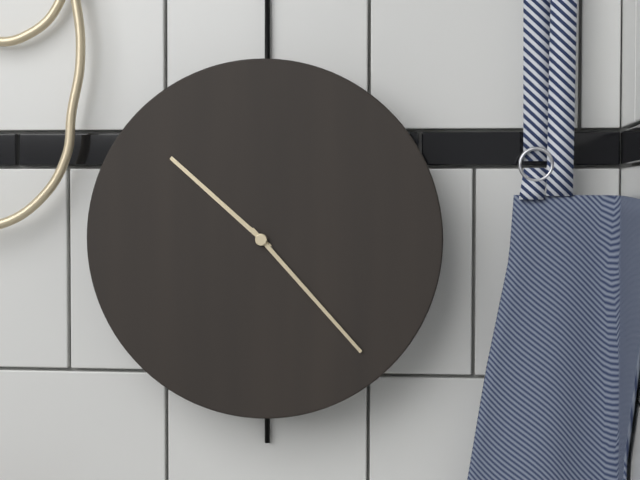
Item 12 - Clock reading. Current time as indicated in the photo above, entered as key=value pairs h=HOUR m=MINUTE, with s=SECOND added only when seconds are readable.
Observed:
h=10 m=23
